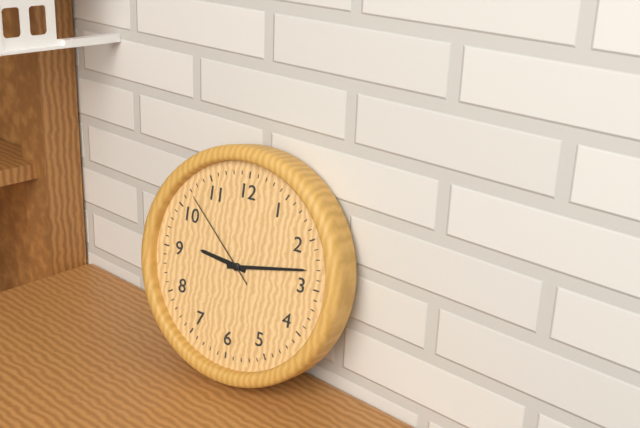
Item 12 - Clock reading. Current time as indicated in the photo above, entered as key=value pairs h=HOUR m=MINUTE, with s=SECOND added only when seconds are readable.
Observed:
h=9 m=13 s=52
